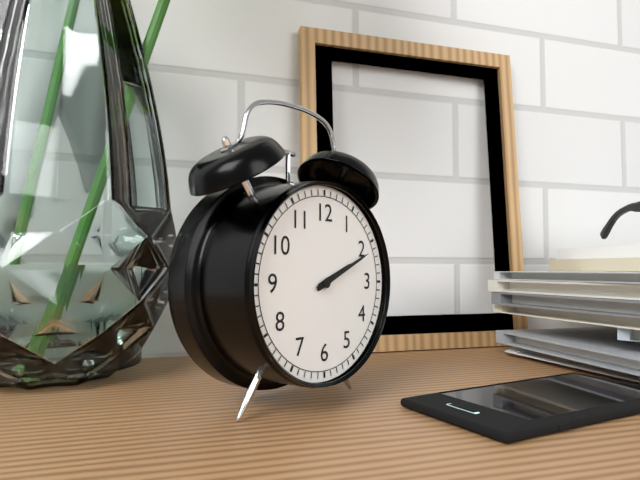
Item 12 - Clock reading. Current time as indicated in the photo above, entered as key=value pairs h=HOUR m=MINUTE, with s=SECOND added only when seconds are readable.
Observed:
h=2 m=11
